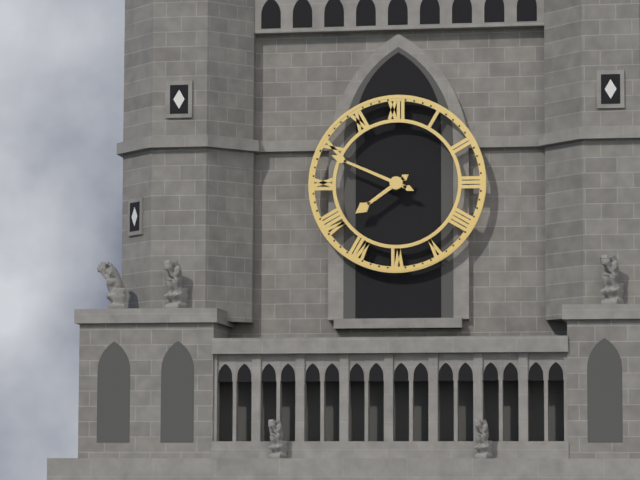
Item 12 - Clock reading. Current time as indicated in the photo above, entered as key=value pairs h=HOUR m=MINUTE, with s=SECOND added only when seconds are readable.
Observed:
h=7 m=49
